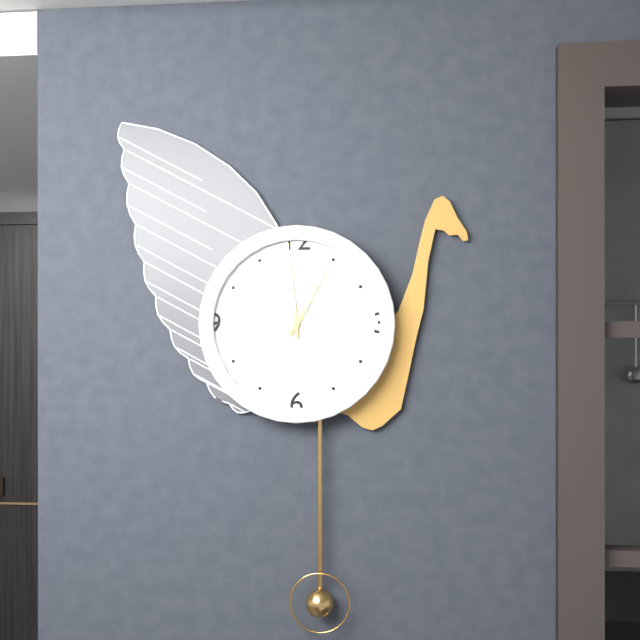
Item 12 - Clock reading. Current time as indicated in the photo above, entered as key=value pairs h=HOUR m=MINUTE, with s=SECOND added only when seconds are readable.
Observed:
h=12 m=59
